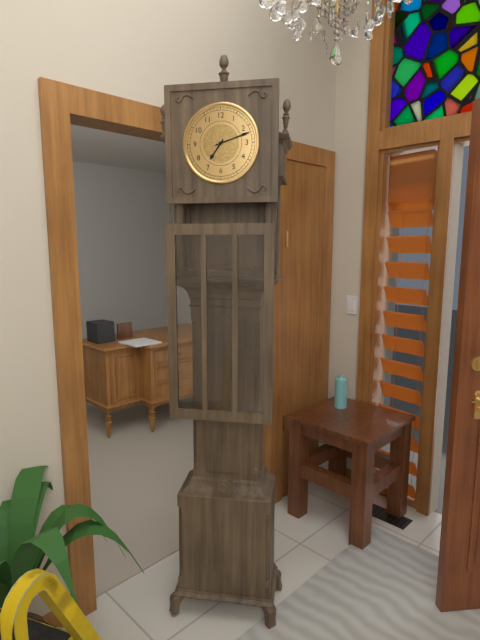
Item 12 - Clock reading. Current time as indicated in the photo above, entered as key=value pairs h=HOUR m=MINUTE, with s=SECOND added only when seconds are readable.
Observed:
h=7 m=12
